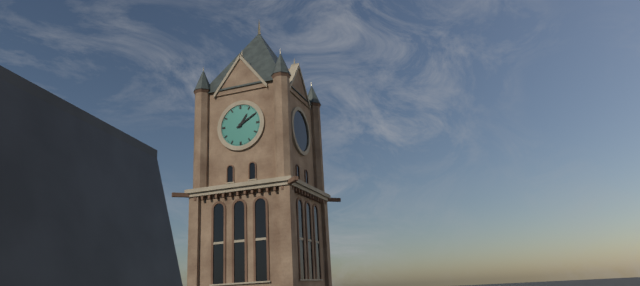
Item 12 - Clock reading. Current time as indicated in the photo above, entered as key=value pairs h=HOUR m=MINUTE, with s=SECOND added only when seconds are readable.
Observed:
h=1 m=10
